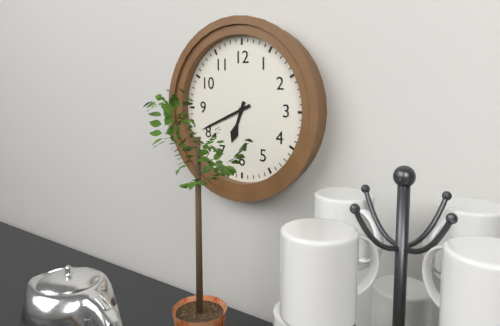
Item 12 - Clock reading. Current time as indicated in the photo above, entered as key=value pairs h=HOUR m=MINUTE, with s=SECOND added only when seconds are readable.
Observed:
h=6 m=41
